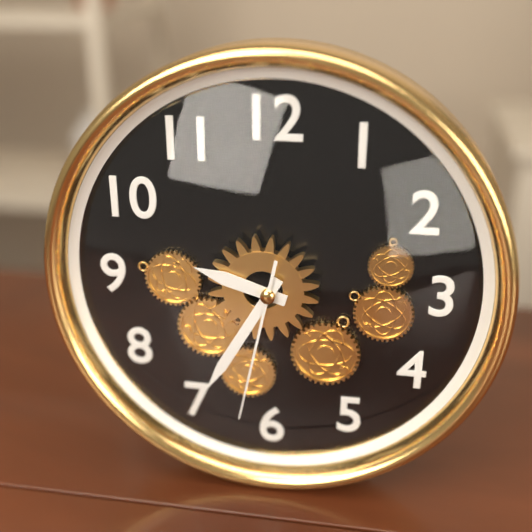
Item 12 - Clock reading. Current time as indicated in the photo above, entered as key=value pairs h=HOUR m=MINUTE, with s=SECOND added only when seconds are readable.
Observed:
h=9 m=35 s=32
